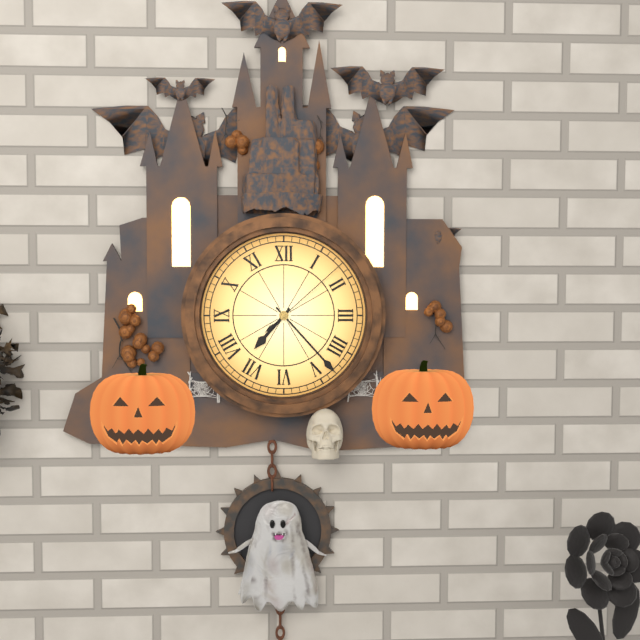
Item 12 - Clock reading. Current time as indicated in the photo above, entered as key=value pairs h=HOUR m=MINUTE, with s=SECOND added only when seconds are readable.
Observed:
h=7 m=23 s=8
